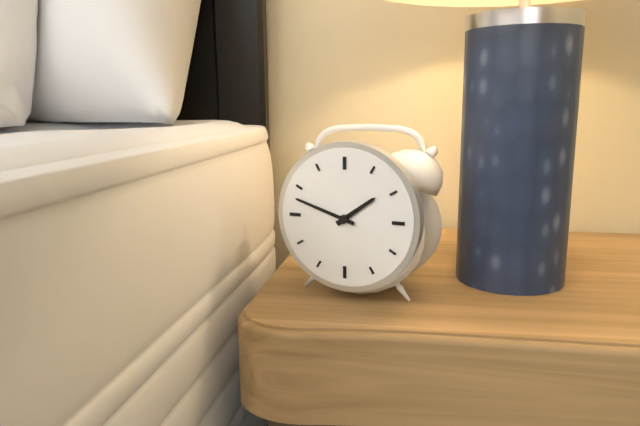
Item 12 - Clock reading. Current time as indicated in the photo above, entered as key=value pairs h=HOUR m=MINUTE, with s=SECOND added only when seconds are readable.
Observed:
h=1 m=48
